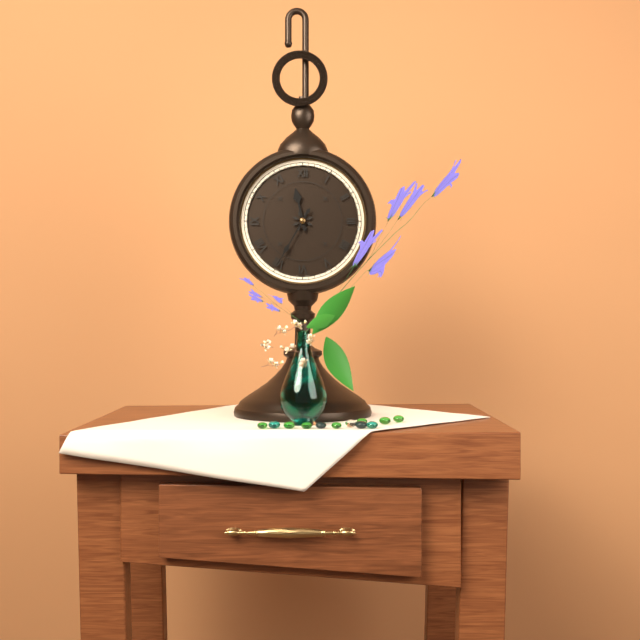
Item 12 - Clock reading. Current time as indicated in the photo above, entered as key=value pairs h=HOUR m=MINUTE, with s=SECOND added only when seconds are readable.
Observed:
h=11 m=35
